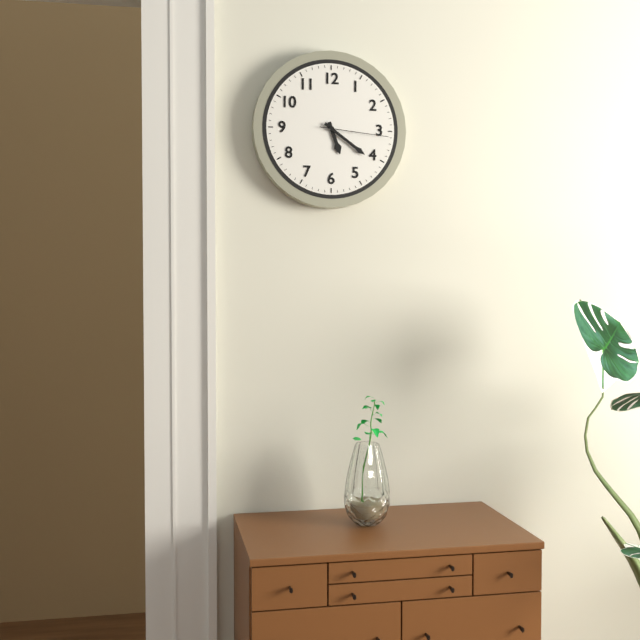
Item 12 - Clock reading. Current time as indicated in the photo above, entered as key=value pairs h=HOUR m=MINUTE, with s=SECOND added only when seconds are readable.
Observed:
h=5 m=21 s=16
